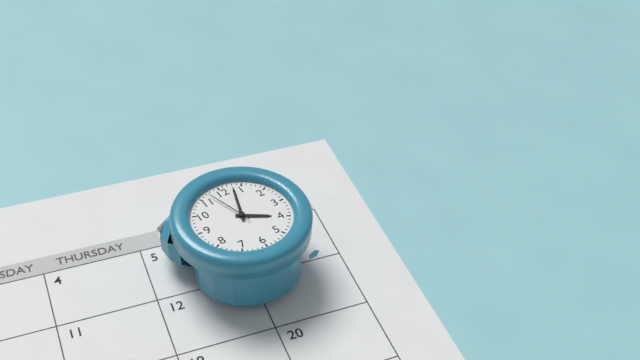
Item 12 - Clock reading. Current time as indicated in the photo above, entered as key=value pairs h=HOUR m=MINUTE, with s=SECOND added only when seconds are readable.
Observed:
h=4 m=3 s=57
